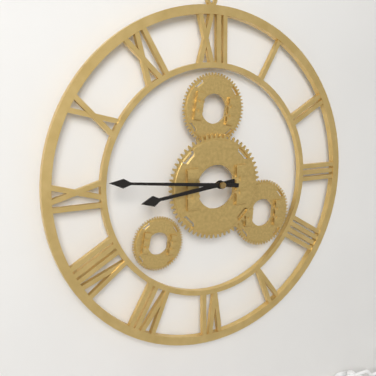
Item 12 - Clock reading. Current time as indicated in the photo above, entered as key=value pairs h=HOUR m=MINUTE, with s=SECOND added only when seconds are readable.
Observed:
h=8 m=46
